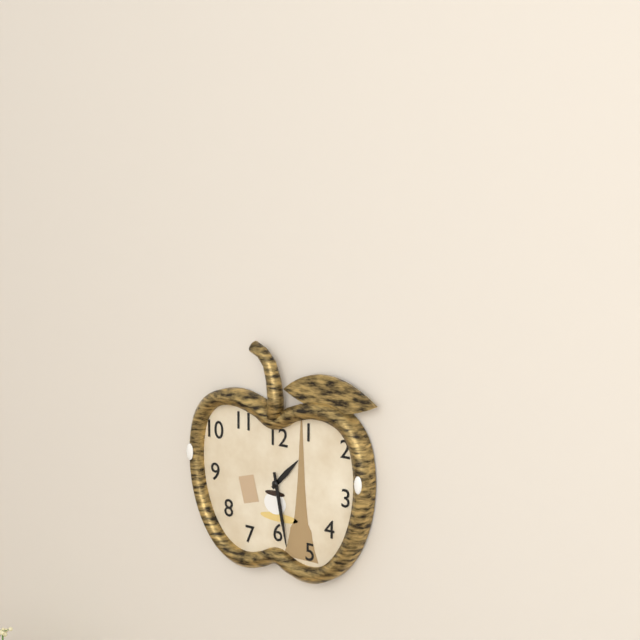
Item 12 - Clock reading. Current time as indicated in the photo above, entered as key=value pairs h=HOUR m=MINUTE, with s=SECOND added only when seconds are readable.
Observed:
h=1 m=28
